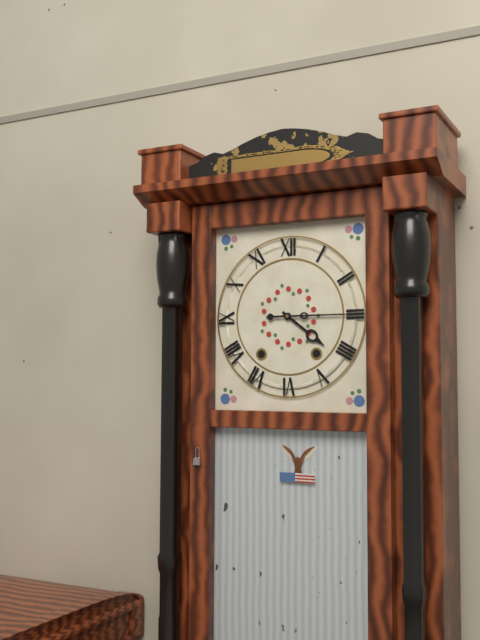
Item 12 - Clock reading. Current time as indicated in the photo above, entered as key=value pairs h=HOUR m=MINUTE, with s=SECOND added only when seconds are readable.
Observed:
h=4 m=15
